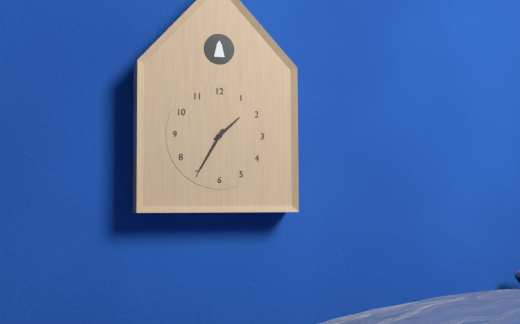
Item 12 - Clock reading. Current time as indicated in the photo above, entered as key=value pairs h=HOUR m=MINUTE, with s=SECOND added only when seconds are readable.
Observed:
h=1 m=35
